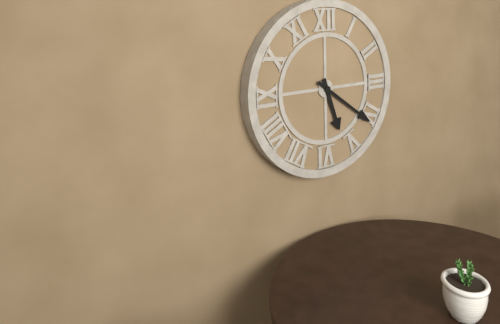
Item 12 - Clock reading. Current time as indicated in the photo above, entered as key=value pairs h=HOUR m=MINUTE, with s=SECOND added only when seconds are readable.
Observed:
h=5 m=21
